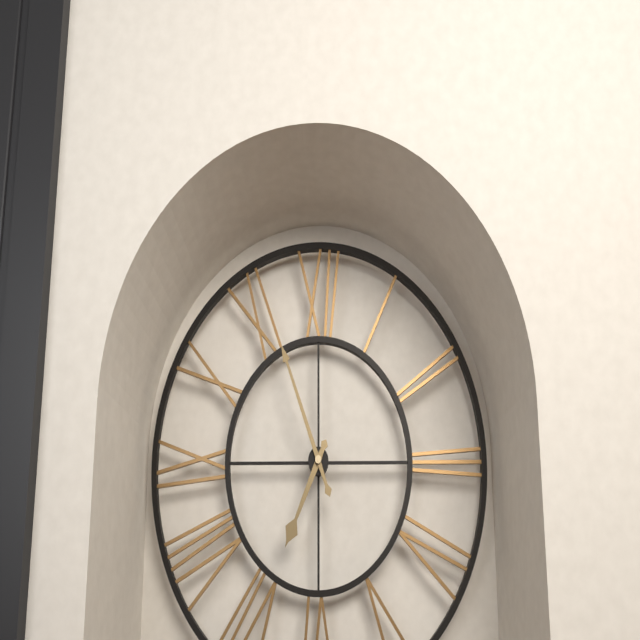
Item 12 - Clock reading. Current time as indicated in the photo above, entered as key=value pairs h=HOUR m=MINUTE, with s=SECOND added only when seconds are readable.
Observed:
h=6 m=56
